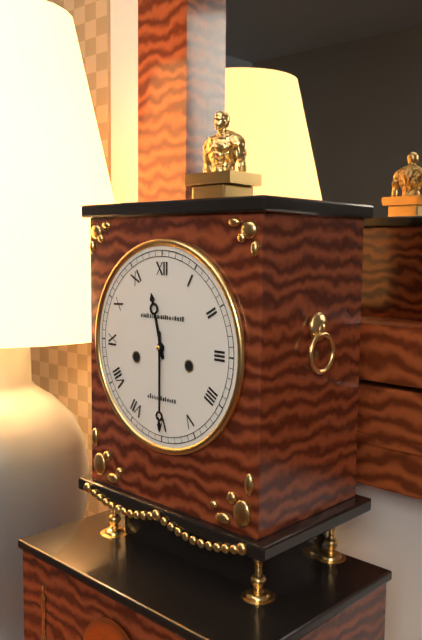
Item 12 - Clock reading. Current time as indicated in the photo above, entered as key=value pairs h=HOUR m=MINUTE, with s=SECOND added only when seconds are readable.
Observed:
h=11 m=30
